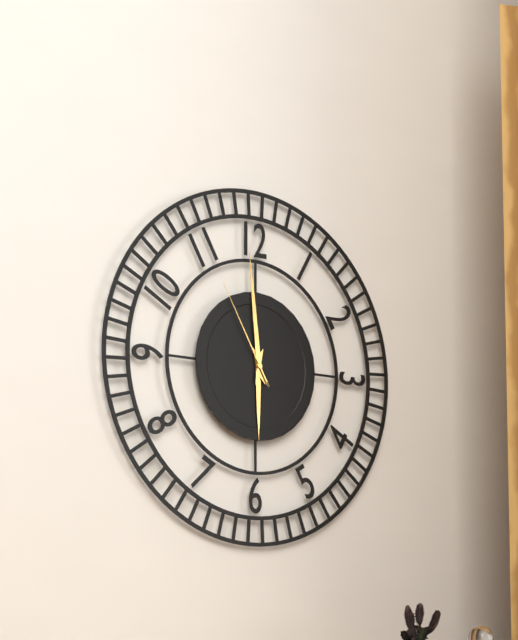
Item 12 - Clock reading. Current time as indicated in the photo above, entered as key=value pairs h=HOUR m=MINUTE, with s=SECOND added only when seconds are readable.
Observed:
h=5 m=59 s=55
